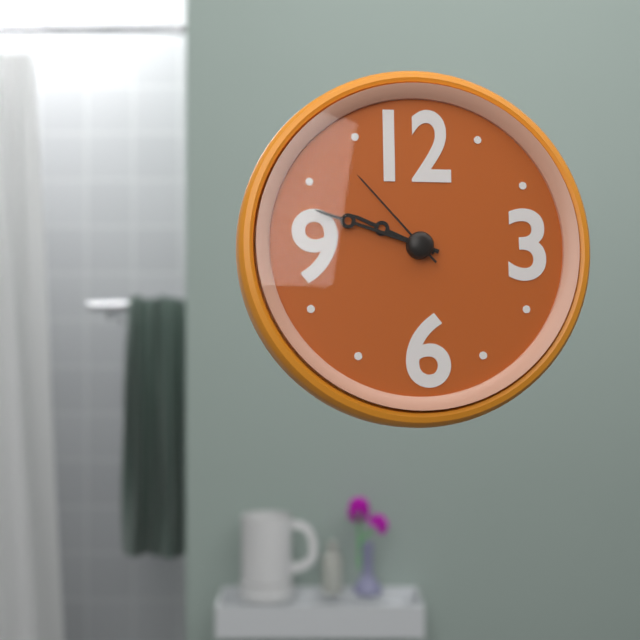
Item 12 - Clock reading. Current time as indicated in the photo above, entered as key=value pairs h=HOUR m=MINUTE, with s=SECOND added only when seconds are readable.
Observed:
h=9 m=48 s=53
